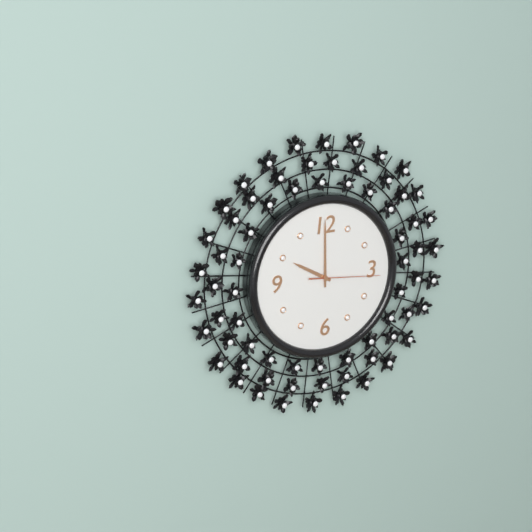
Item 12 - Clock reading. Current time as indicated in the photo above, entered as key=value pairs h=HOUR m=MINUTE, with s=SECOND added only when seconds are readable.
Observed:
h=10 m=0 s=16
